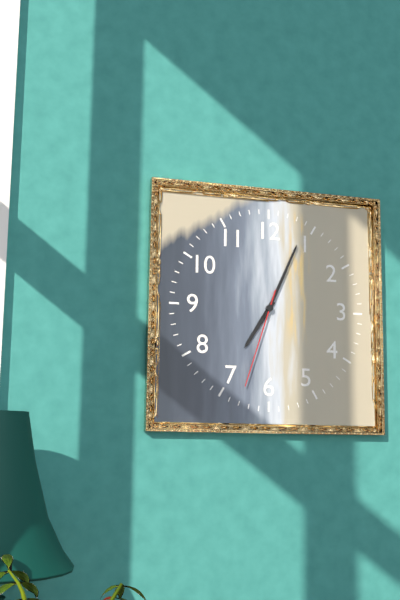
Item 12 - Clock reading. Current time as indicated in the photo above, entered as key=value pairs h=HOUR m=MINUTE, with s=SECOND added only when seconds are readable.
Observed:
h=7 m=4 s=33
